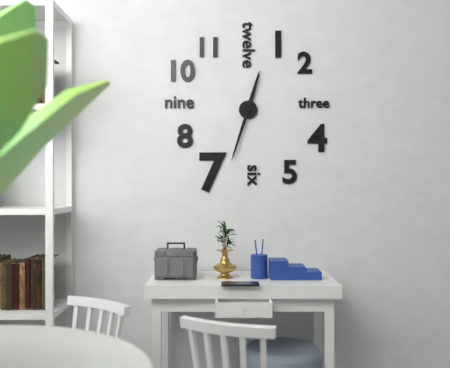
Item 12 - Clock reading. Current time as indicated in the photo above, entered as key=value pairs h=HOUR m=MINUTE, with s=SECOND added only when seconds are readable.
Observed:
h=12 m=33
